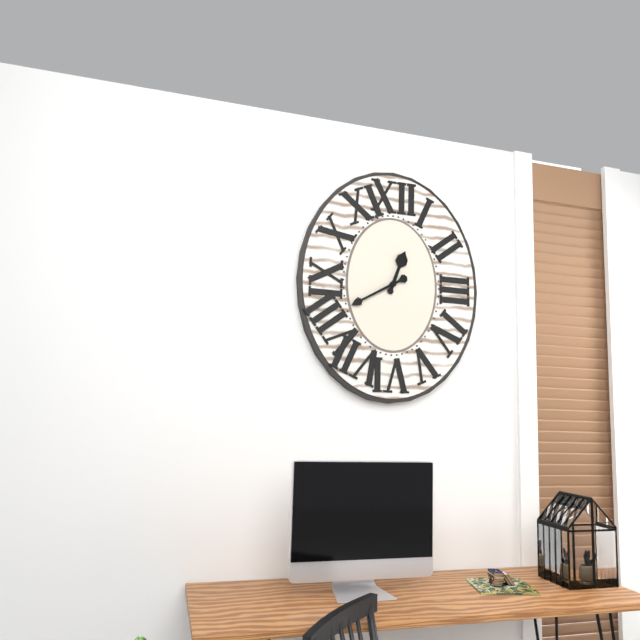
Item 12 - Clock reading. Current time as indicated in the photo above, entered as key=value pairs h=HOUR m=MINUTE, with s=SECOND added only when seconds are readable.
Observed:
h=12 m=40
